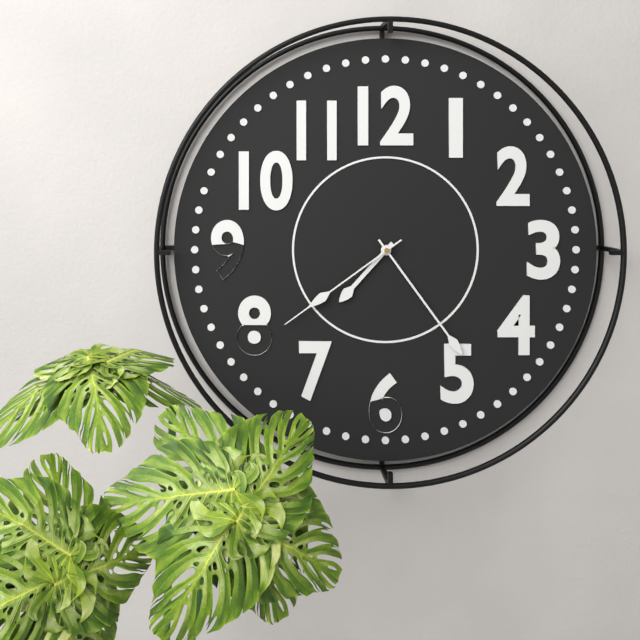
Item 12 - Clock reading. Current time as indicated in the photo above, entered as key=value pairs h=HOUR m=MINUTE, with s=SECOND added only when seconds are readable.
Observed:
h=7 m=24 s=39
